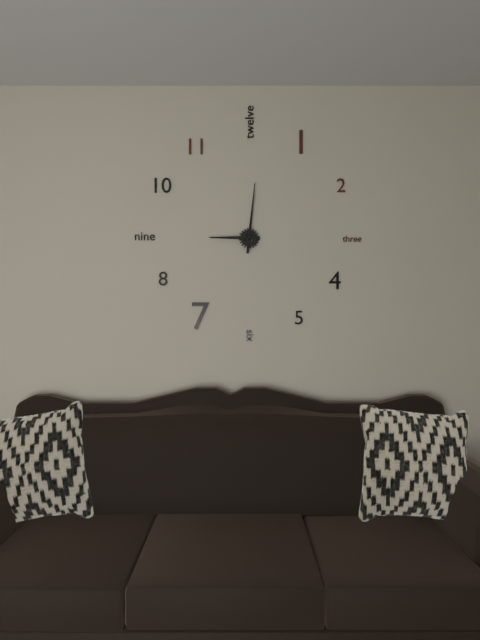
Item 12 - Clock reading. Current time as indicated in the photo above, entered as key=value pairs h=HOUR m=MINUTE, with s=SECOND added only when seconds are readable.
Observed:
h=9 m=1
